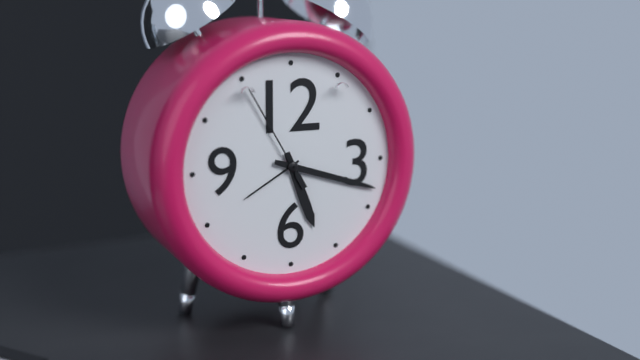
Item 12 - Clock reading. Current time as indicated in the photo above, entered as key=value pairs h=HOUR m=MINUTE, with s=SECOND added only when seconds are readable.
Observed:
h=5 m=18 s=55
